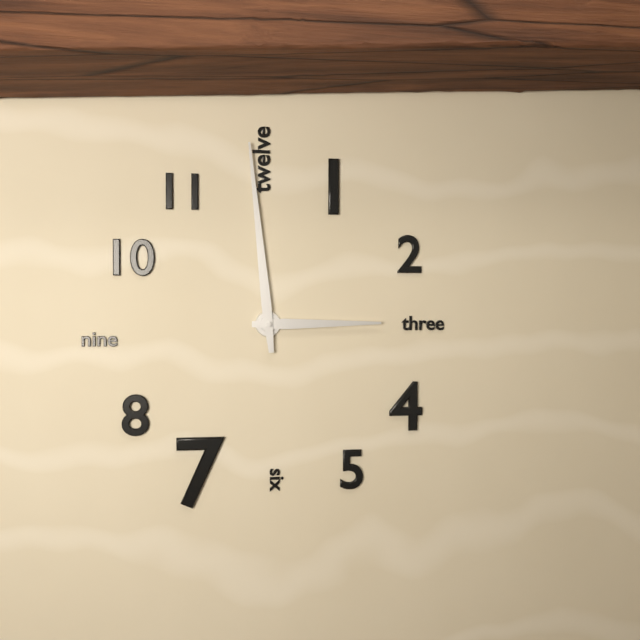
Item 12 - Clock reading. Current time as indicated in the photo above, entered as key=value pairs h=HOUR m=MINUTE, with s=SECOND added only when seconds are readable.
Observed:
h=2 m=59
